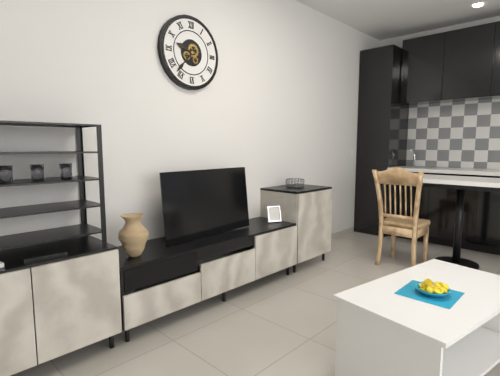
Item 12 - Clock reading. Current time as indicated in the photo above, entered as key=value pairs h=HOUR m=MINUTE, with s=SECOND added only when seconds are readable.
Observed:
h=9 m=37
